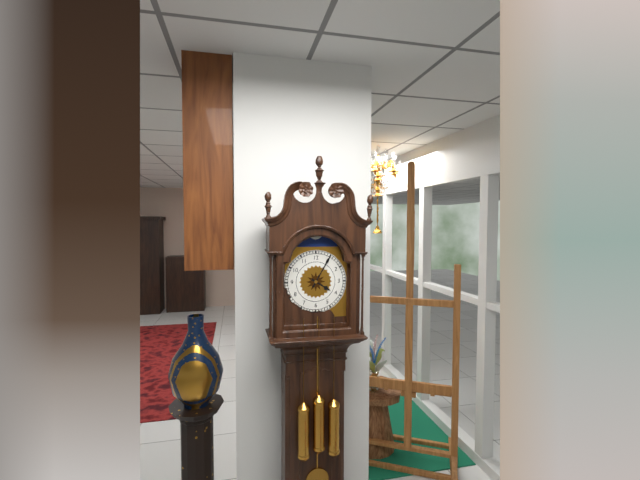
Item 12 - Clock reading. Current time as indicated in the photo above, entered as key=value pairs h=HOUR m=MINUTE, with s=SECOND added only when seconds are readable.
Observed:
h=4 m=5
